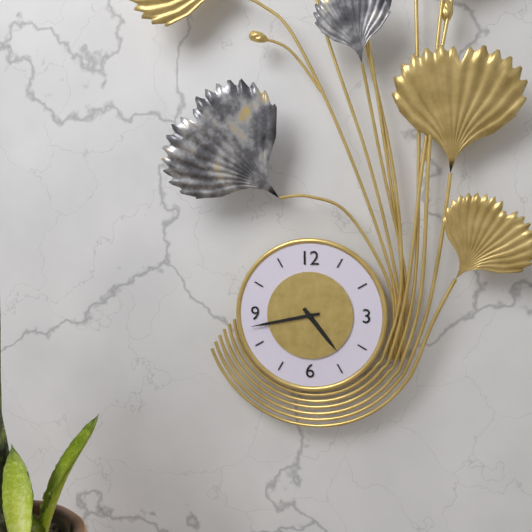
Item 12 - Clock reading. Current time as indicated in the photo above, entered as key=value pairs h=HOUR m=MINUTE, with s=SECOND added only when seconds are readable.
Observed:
h=4 m=43
